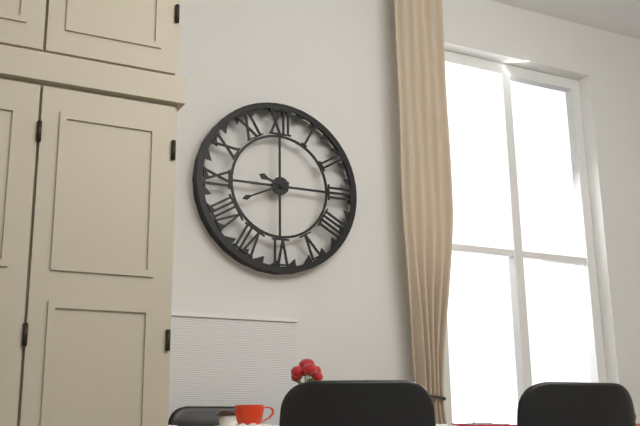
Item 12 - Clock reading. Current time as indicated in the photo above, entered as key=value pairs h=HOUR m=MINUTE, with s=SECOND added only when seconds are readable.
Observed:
h=9 m=41
